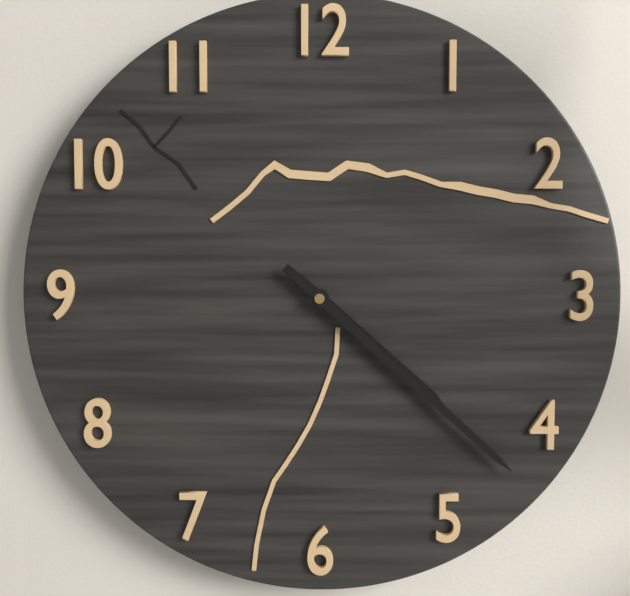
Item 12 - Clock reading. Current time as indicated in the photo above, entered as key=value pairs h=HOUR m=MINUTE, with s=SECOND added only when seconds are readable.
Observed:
h=4 m=22
